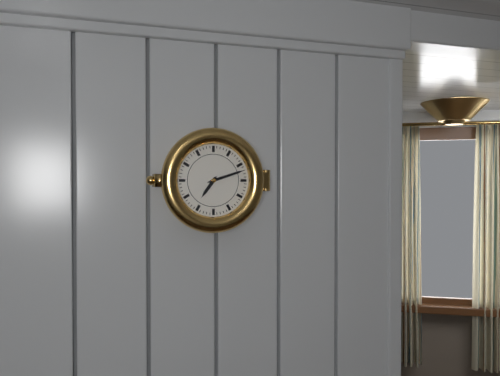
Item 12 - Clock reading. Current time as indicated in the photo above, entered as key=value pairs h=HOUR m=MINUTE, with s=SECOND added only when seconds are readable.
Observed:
h=7 m=12
